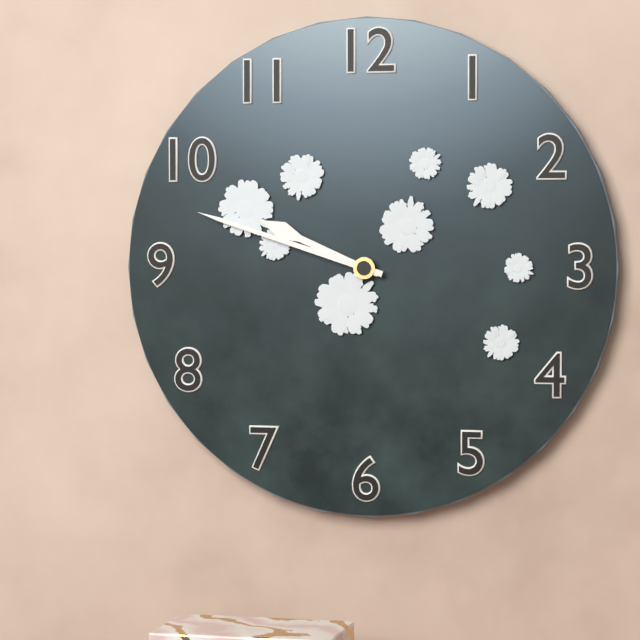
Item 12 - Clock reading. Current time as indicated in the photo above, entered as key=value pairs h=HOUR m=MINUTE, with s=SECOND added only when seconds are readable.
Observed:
h=9 m=48
